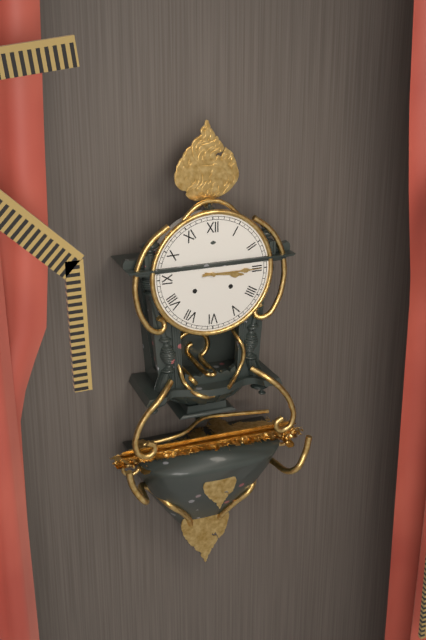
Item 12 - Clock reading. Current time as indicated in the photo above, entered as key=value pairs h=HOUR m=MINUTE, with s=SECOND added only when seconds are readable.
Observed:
h=3 m=15
